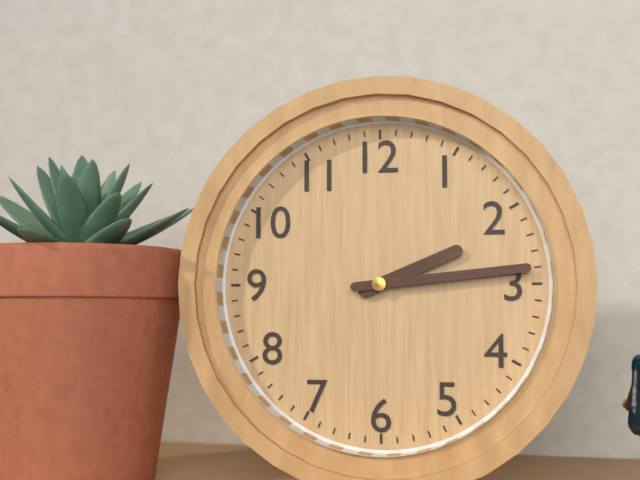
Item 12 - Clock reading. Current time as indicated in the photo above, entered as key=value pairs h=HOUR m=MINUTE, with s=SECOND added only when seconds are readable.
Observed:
h=2 m=14
